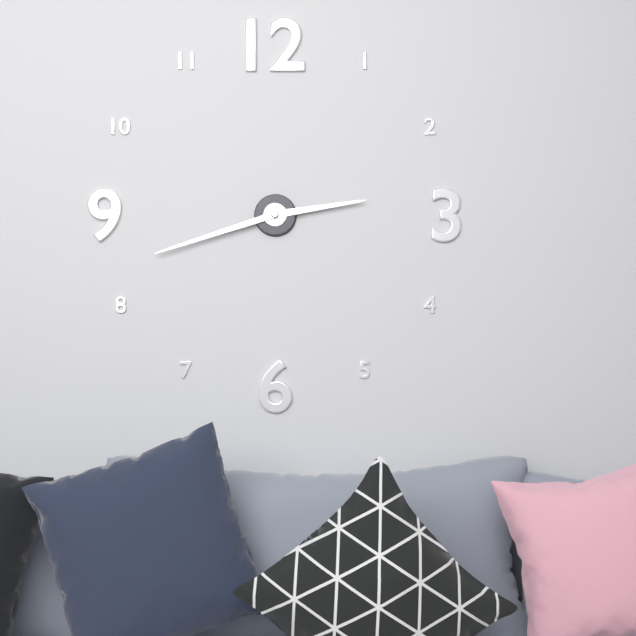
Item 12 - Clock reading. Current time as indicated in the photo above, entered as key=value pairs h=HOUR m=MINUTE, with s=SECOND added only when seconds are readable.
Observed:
h=2 m=42
